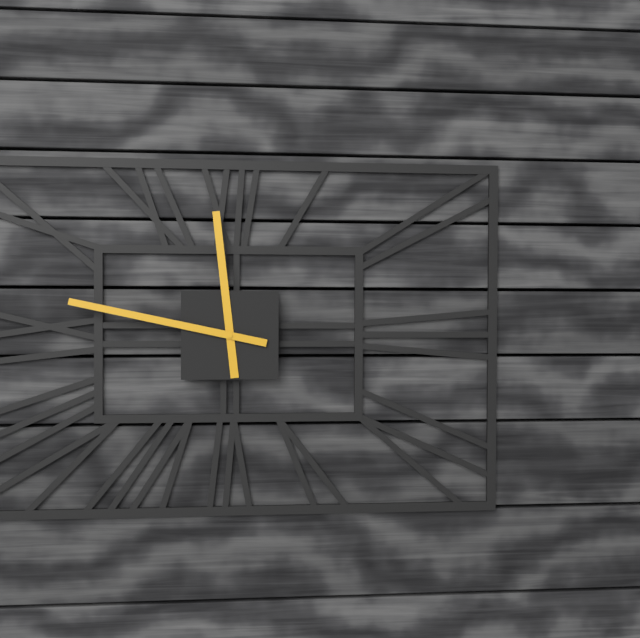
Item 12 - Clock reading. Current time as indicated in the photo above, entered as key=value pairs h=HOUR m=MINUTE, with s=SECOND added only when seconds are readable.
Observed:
h=11 m=47
